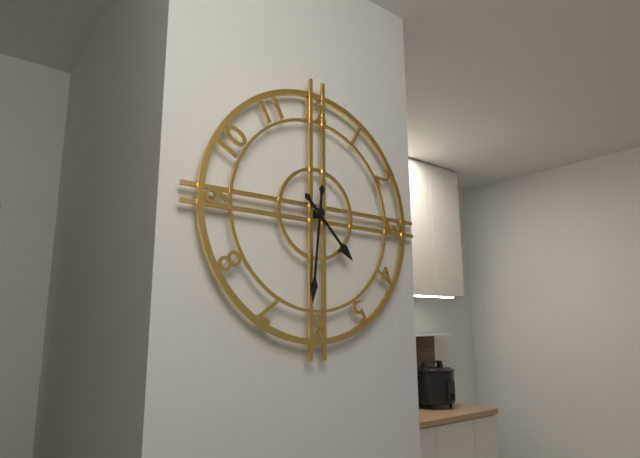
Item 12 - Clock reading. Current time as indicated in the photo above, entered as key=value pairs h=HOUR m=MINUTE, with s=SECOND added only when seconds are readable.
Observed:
h=4 m=31
